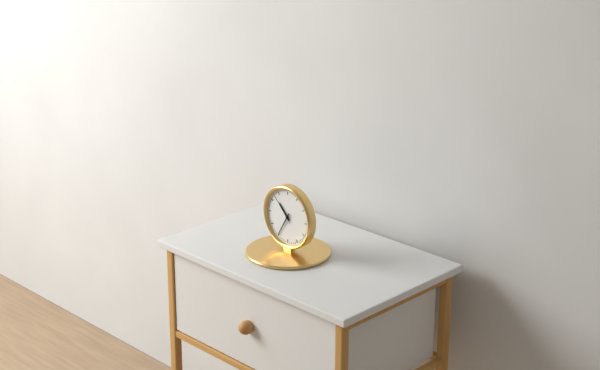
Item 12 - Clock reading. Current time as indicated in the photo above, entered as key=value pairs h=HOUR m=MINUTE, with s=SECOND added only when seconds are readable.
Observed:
h=10 m=35
